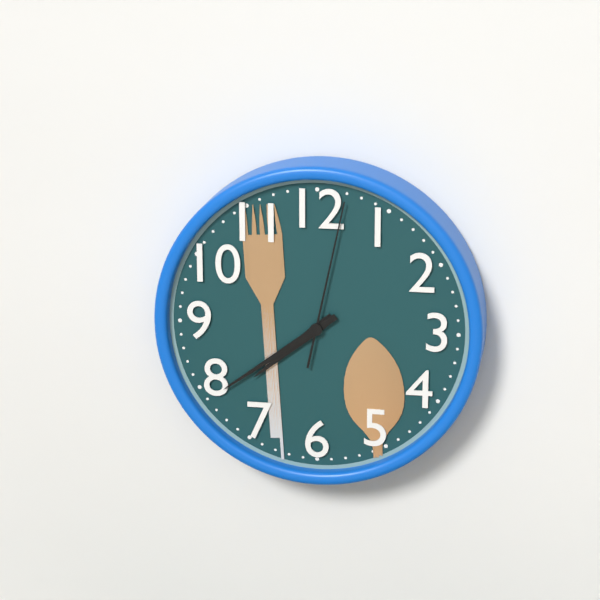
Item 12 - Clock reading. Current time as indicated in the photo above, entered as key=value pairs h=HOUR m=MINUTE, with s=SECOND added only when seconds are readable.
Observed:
h=7 m=39 s=2
